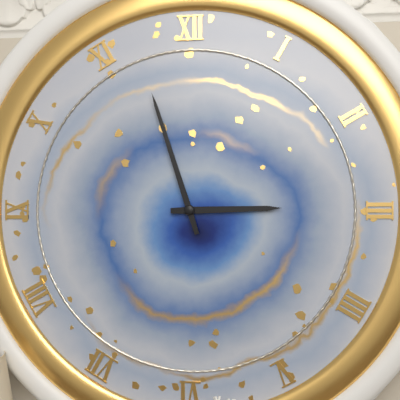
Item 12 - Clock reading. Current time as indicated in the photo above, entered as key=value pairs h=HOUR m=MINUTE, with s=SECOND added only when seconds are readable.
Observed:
h=2 m=57
